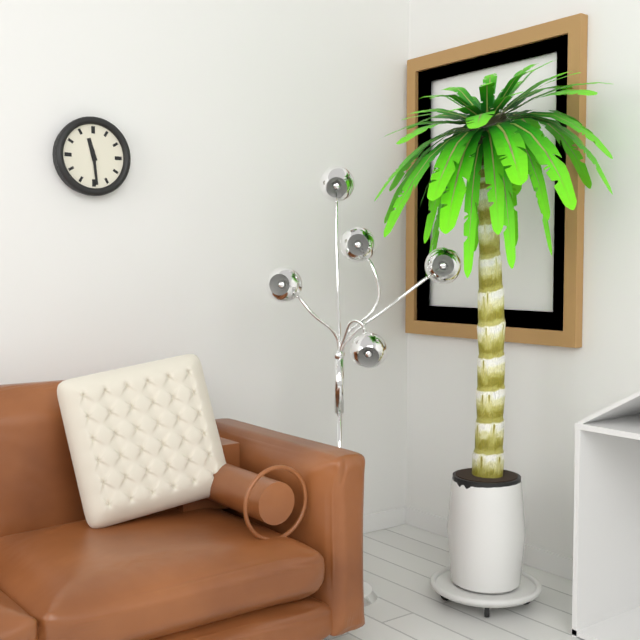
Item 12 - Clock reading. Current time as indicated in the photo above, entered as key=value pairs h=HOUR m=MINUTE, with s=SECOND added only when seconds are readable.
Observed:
h=11 m=29
